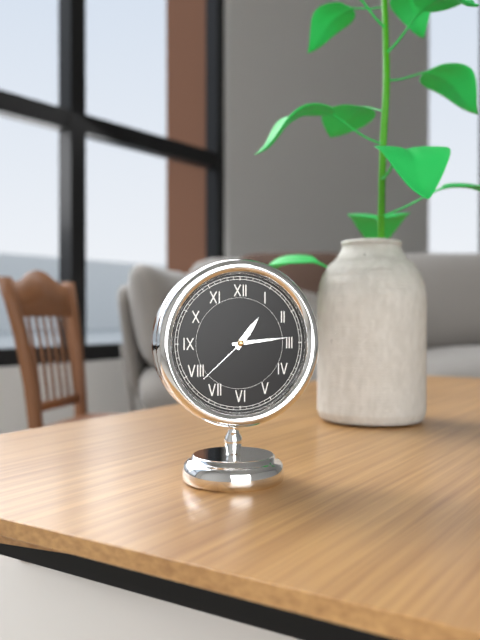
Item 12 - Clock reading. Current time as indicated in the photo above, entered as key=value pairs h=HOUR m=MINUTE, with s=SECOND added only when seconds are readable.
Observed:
h=1 m=14 s=38
